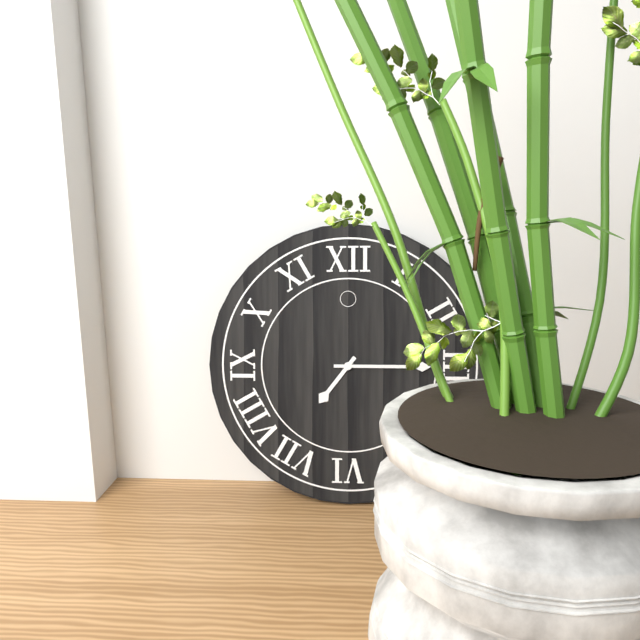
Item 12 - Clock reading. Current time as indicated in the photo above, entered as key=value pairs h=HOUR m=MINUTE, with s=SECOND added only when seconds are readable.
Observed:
h=7 m=15
